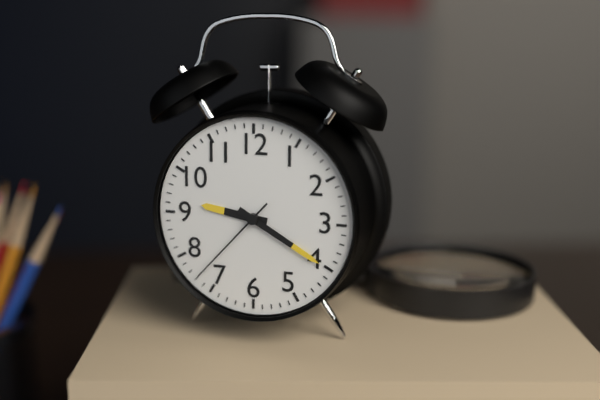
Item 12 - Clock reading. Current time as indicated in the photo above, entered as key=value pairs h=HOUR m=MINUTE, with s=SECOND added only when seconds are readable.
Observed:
h=9 m=20 s=37
